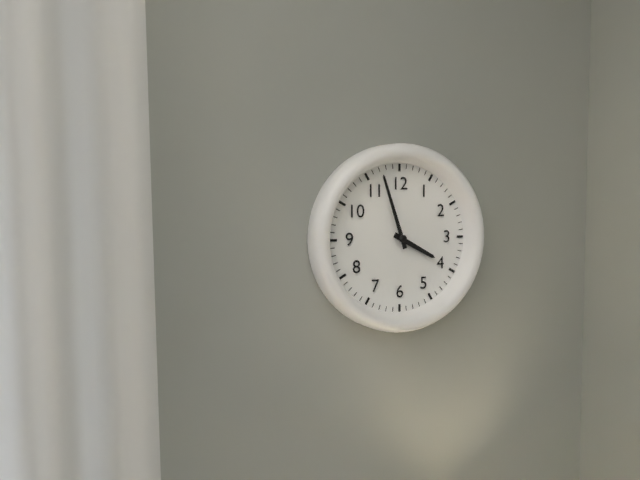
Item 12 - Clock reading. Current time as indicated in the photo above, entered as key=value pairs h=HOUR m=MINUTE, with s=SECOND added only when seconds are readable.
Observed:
h=3 m=57
